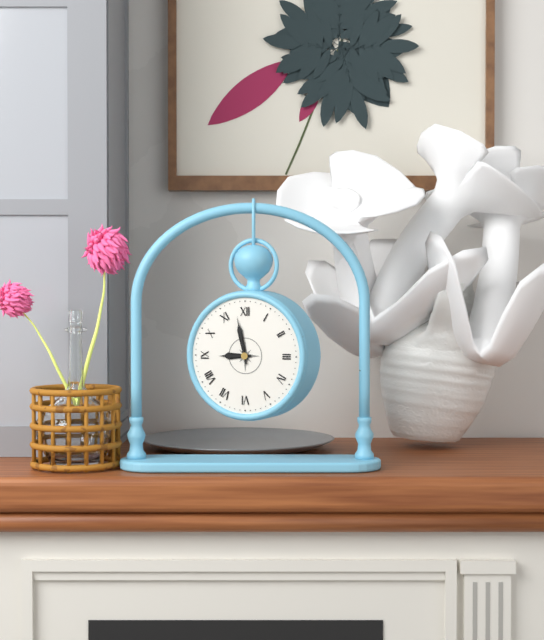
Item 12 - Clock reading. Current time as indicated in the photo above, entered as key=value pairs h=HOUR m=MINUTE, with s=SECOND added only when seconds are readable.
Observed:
h=8 m=58
